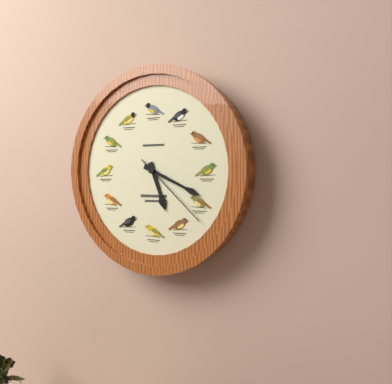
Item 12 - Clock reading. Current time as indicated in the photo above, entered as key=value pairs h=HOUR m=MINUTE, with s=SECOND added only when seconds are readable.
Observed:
h=5 m=19 s=22
